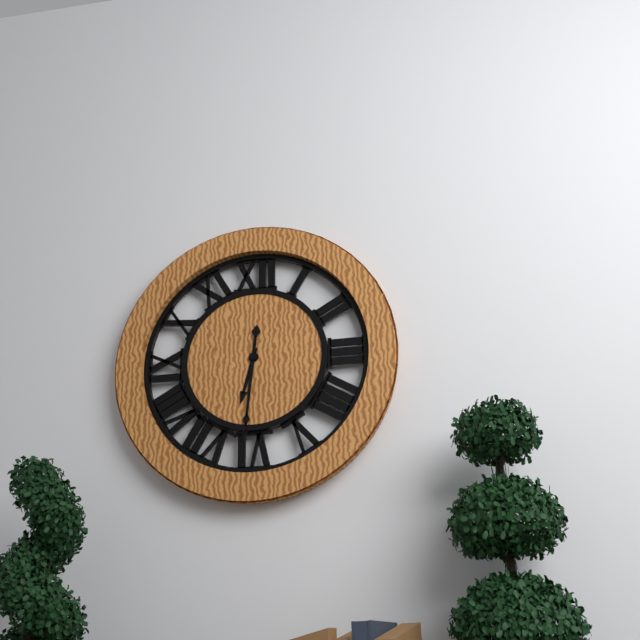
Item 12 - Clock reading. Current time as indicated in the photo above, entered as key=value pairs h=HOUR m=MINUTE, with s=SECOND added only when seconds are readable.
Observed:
h=6 m=31
